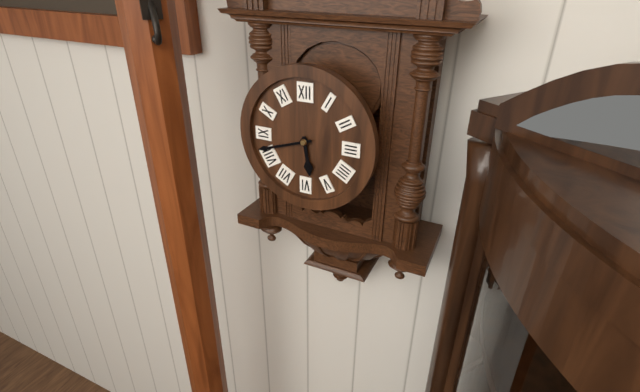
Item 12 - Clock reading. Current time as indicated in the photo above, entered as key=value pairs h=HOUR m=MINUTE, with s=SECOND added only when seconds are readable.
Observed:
h=5 m=42
